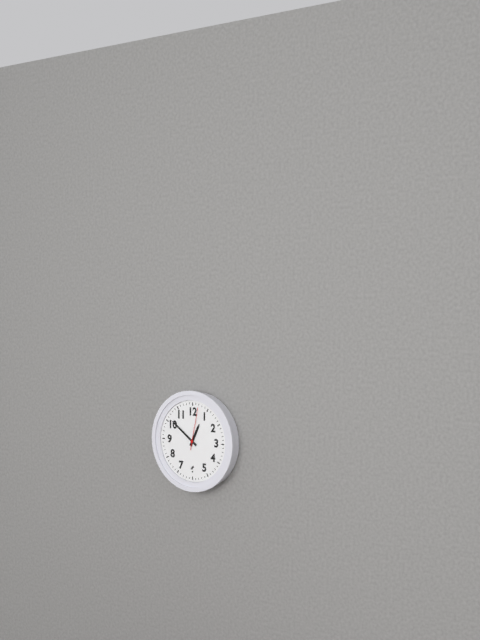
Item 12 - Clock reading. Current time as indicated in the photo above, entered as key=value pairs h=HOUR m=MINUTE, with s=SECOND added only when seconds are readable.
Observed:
h=12 m=51
